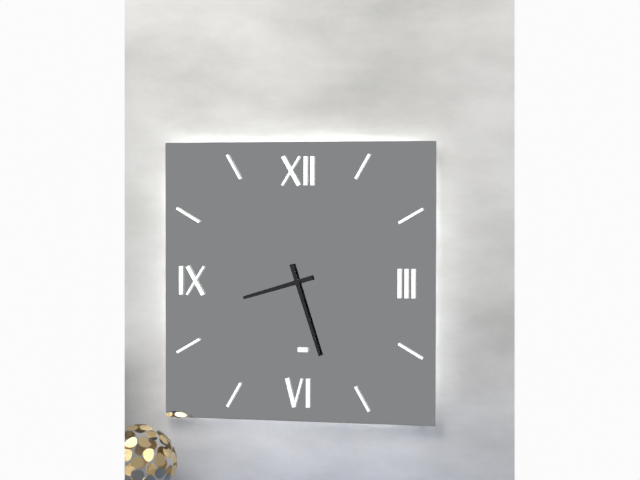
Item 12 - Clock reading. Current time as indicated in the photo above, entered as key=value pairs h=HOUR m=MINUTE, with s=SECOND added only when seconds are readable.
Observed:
h=8 m=27
